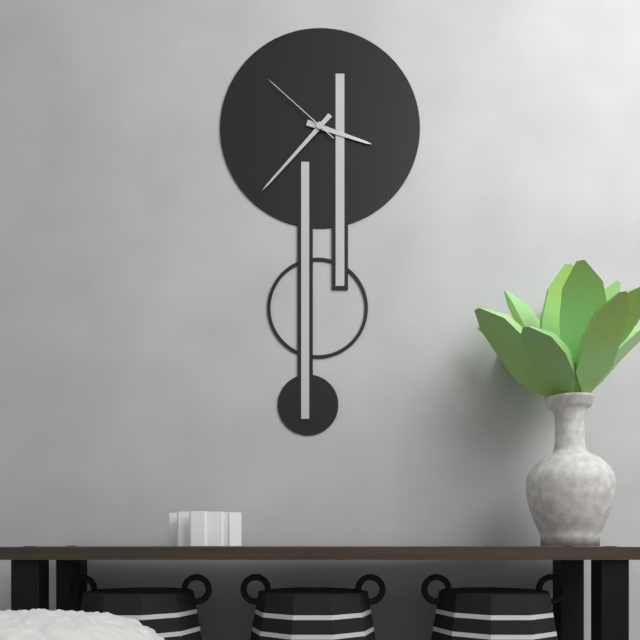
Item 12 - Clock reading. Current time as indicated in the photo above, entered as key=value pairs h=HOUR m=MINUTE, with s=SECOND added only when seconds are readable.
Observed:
h=3 m=37 s=52
